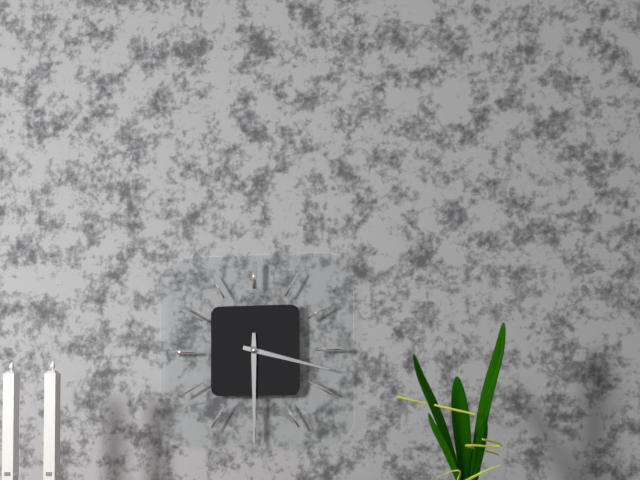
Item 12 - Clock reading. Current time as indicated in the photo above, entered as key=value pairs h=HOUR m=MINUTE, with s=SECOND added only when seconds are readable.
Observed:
h=3 m=30
